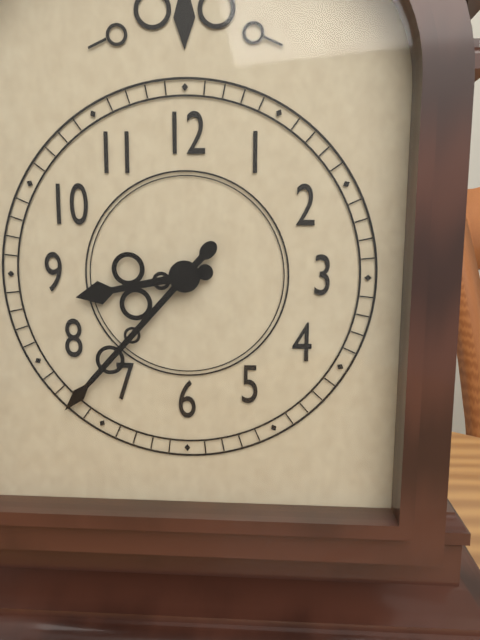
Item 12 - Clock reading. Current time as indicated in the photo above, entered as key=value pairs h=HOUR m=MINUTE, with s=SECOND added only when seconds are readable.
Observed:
h=8 m=37
